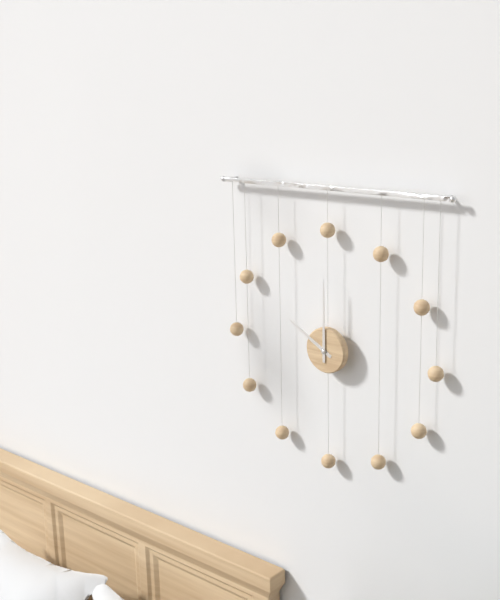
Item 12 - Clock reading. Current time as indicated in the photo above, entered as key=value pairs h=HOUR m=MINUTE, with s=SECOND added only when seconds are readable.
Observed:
h=10 m=0
